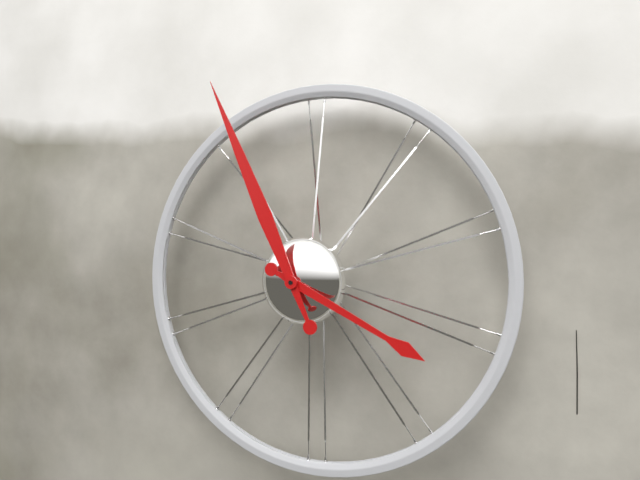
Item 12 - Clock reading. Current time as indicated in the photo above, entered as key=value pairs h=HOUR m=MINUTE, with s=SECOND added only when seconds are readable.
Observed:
h=3 m=56
